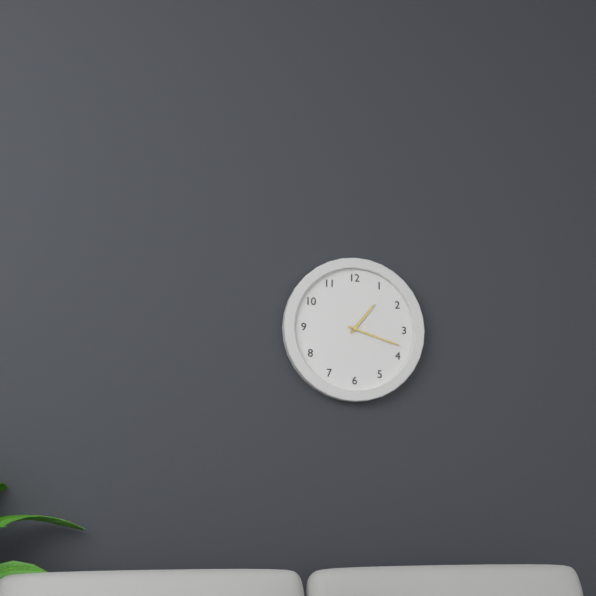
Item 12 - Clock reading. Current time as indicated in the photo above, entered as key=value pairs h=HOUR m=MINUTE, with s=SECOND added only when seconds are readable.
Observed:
h=1 m=18
